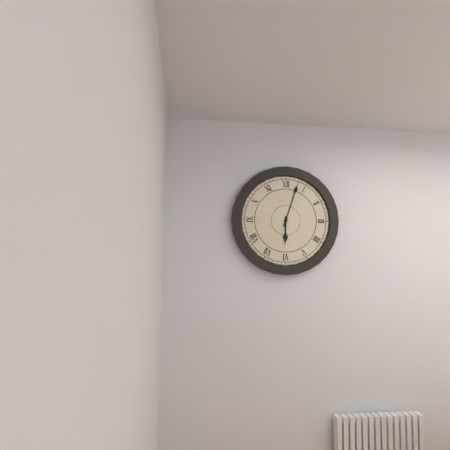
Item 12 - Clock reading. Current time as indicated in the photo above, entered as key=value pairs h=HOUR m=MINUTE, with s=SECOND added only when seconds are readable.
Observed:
h=6 m=3
